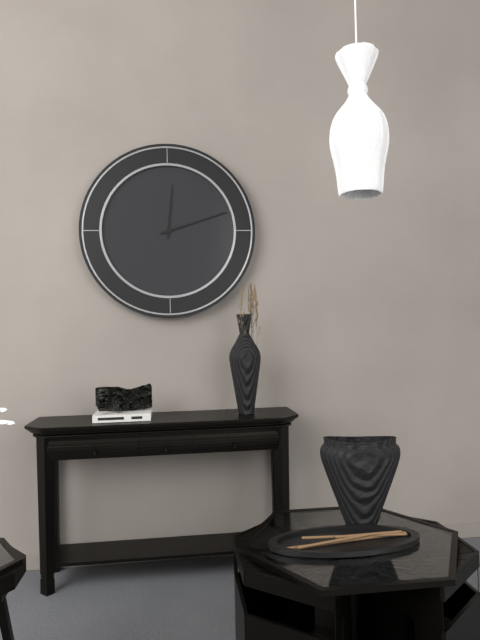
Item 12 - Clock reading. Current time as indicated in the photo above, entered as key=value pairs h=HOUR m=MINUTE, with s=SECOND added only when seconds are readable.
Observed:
h=12 m=12
